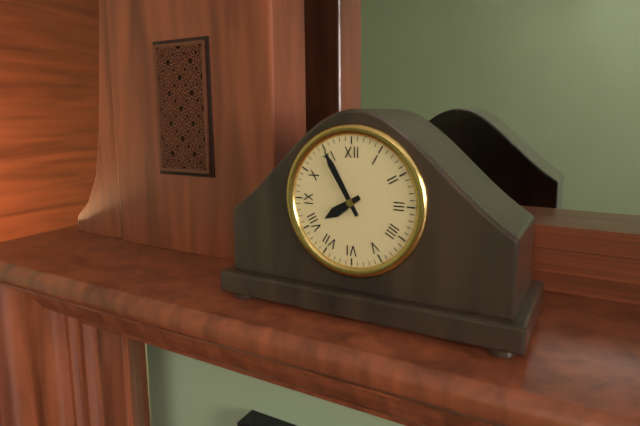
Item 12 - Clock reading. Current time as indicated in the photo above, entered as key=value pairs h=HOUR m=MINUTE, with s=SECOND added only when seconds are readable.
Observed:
h=7 m=55
